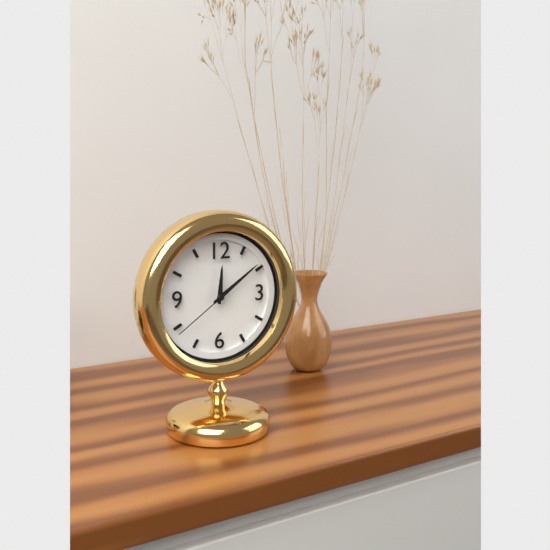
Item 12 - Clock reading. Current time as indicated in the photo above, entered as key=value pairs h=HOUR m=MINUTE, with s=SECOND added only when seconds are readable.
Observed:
h=12 m=9 s=39
